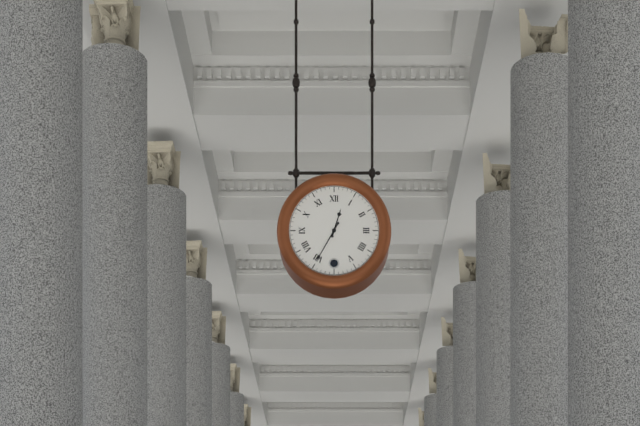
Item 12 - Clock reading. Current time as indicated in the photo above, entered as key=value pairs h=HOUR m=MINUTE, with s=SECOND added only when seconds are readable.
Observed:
h=12 m=35
